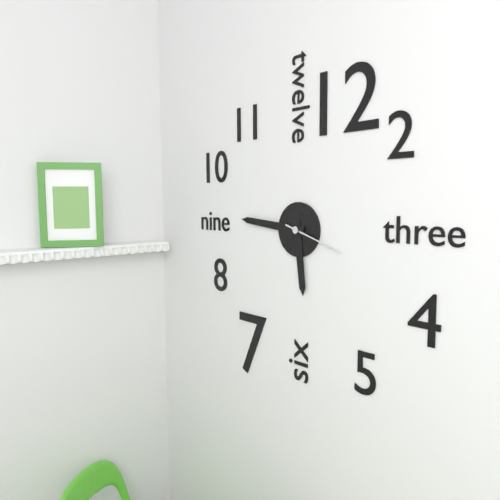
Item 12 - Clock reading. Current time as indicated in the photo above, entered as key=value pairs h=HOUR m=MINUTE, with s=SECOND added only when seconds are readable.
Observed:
h=5 m=46 s=18
